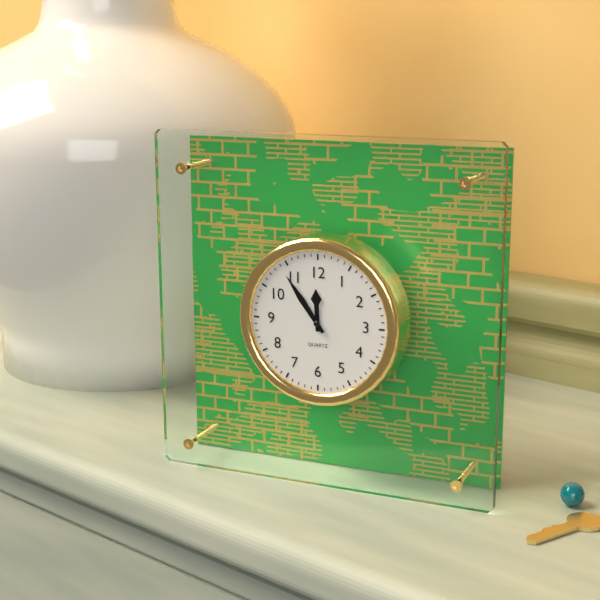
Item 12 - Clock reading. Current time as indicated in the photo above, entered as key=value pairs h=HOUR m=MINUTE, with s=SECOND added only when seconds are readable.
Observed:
h=11 m=54
